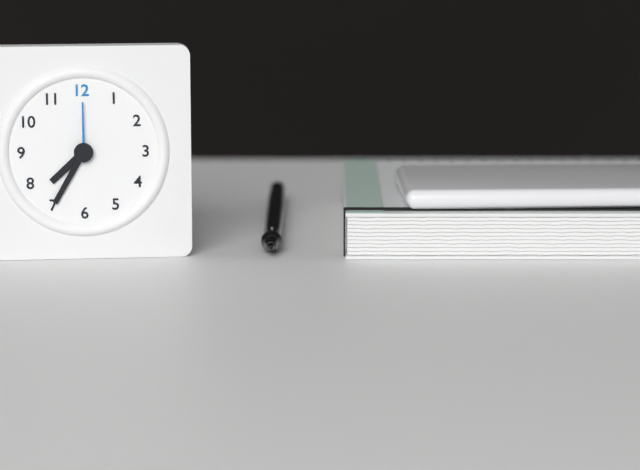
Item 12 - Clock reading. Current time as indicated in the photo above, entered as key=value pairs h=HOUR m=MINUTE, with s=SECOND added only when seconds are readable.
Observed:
h=7 m=35 s=0
